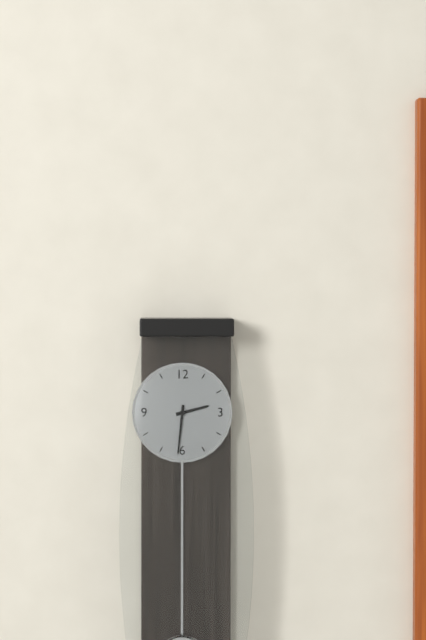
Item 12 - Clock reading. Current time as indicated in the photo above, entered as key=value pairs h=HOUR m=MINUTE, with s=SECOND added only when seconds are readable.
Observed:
h=2 m=31
